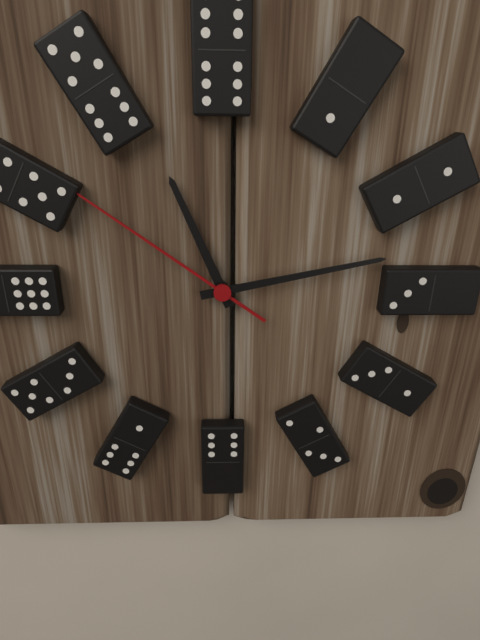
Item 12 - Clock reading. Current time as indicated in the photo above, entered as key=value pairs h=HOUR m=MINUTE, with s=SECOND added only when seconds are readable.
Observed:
h=11 m=13 s=51
